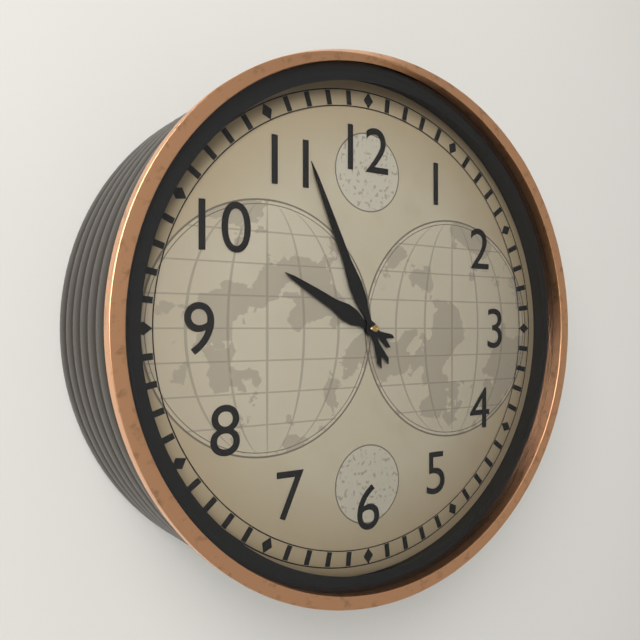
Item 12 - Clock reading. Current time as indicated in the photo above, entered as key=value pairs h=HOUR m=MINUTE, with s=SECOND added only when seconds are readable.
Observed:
h=9 m=56
